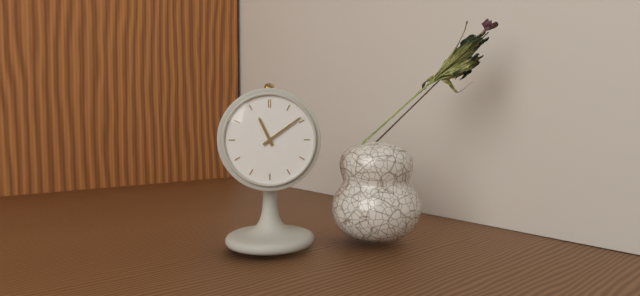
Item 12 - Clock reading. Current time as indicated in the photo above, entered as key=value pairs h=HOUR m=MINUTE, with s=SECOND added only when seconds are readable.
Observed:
h=11 m=9
